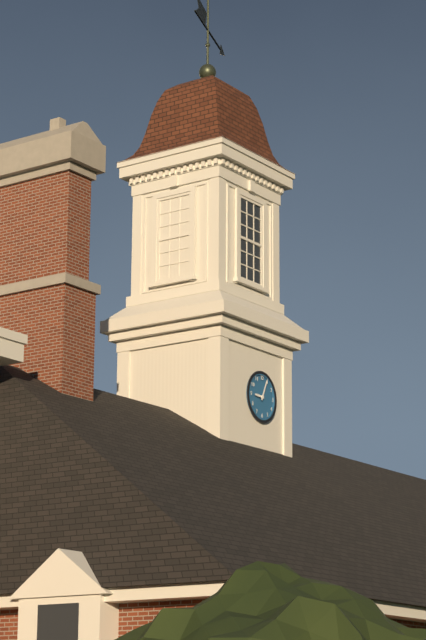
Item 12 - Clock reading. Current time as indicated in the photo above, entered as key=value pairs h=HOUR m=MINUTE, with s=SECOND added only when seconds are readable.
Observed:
h=9 m=4
